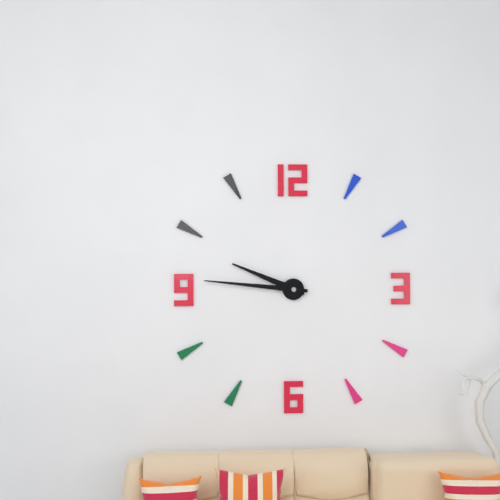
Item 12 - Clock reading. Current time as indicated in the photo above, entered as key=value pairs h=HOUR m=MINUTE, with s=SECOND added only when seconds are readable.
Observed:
h=9 m=46
